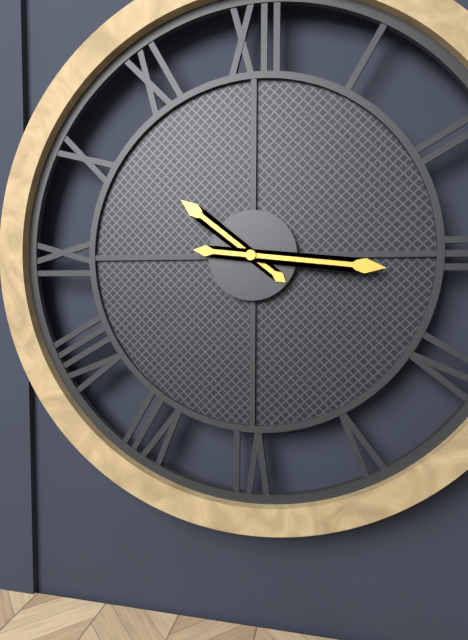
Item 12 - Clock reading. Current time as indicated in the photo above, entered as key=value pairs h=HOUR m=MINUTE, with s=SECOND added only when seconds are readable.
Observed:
h=10 m=16
